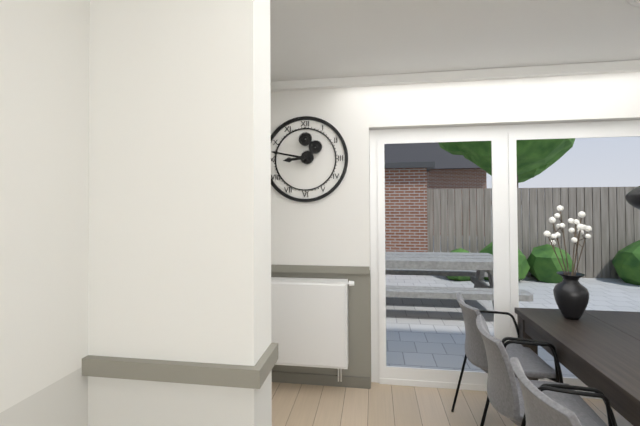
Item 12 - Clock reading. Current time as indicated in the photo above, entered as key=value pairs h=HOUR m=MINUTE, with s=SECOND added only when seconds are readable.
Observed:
h=8 m=47
